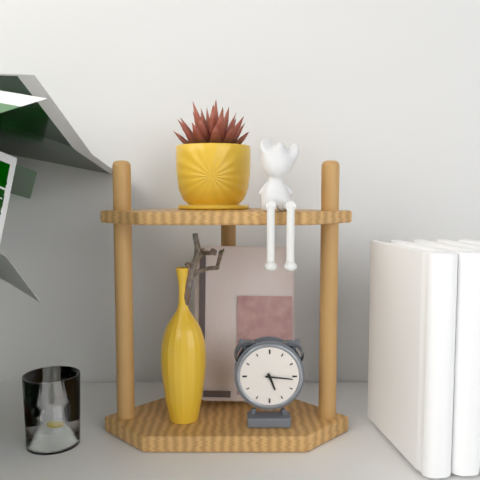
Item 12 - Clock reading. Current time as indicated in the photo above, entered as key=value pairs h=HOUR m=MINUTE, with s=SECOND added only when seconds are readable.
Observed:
h=5 m=16
